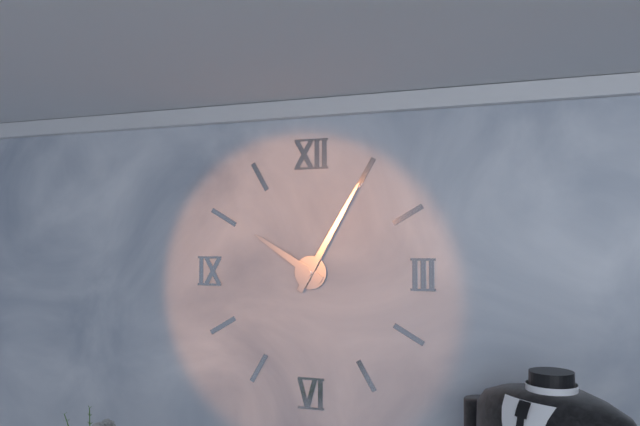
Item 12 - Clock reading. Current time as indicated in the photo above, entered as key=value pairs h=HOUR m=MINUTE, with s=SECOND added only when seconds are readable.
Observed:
h=10 m=5
